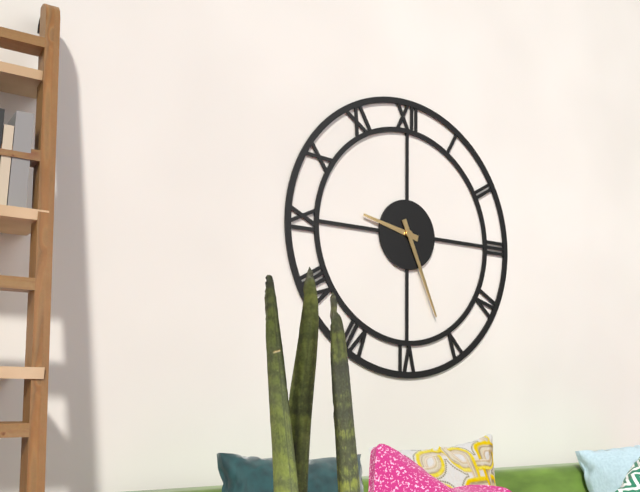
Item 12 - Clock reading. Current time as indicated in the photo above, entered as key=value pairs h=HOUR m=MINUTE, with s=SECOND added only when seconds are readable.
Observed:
h=9 m=26
